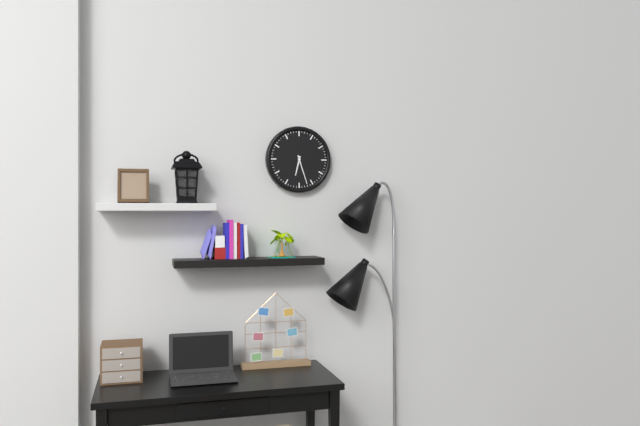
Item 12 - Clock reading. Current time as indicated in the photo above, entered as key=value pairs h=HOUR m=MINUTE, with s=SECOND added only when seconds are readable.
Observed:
h=6 m=27
